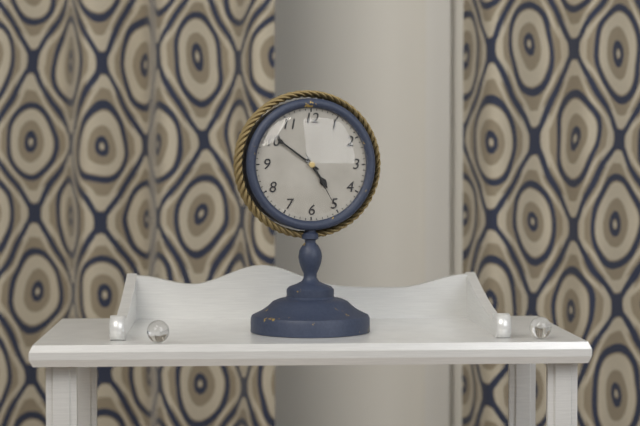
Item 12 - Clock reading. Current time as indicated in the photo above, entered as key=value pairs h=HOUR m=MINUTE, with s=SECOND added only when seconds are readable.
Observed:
h=4 m=51 s=25
